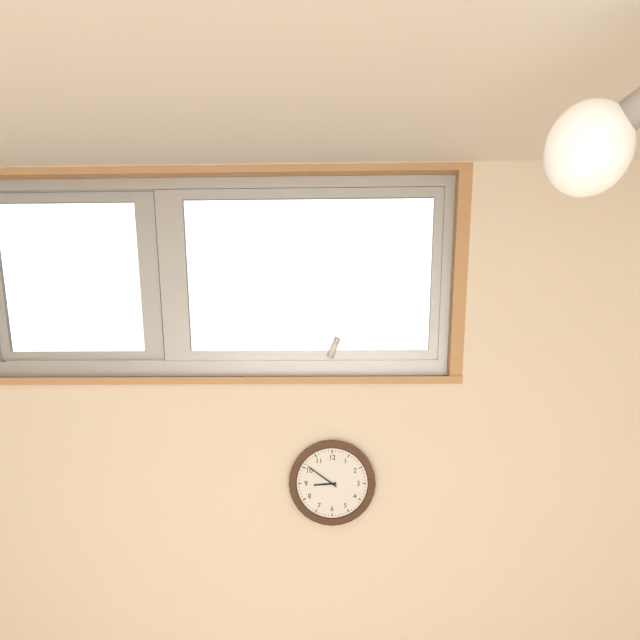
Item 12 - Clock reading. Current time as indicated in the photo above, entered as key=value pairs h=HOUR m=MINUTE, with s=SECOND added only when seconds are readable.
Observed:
h=8 m=51
